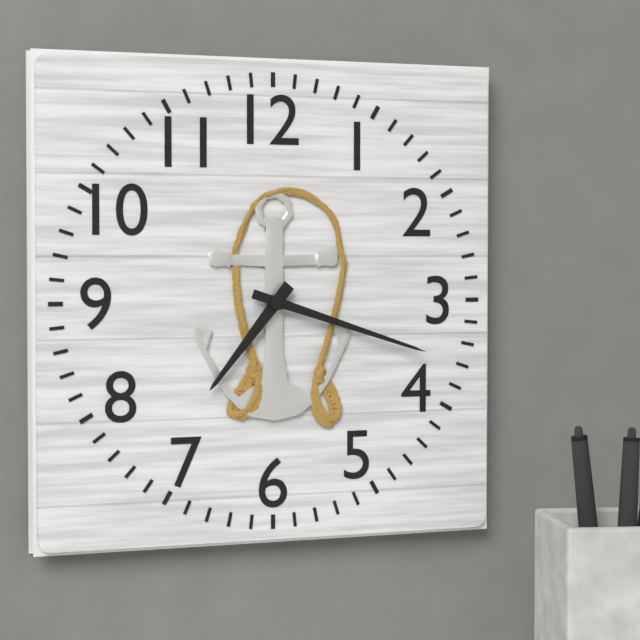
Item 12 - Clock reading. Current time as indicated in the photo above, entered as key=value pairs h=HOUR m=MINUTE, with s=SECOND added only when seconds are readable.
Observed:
h=7 m=18
